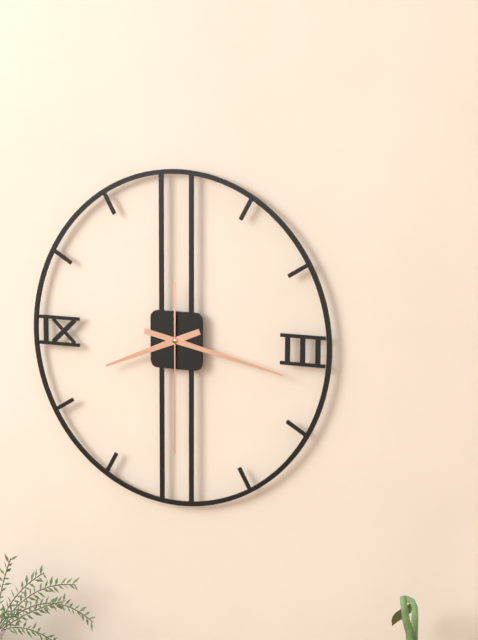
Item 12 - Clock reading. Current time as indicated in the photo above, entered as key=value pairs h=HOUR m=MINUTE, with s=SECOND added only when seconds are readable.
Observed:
h=8 m=17 s=30
